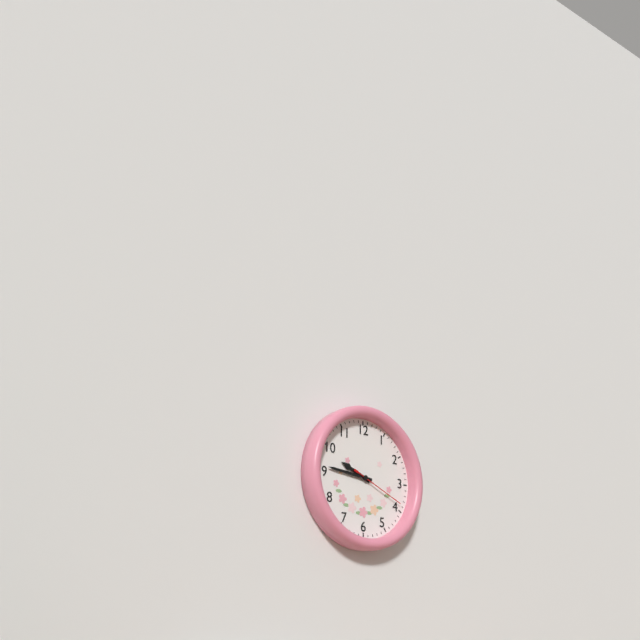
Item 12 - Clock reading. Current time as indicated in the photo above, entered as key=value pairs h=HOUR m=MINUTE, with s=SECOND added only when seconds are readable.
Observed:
h=9 m=46 s=19
